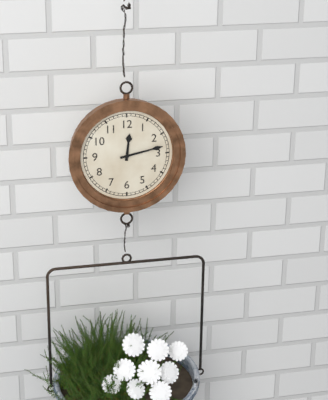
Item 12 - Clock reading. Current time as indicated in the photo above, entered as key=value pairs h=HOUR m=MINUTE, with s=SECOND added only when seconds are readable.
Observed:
h=12 m=13
